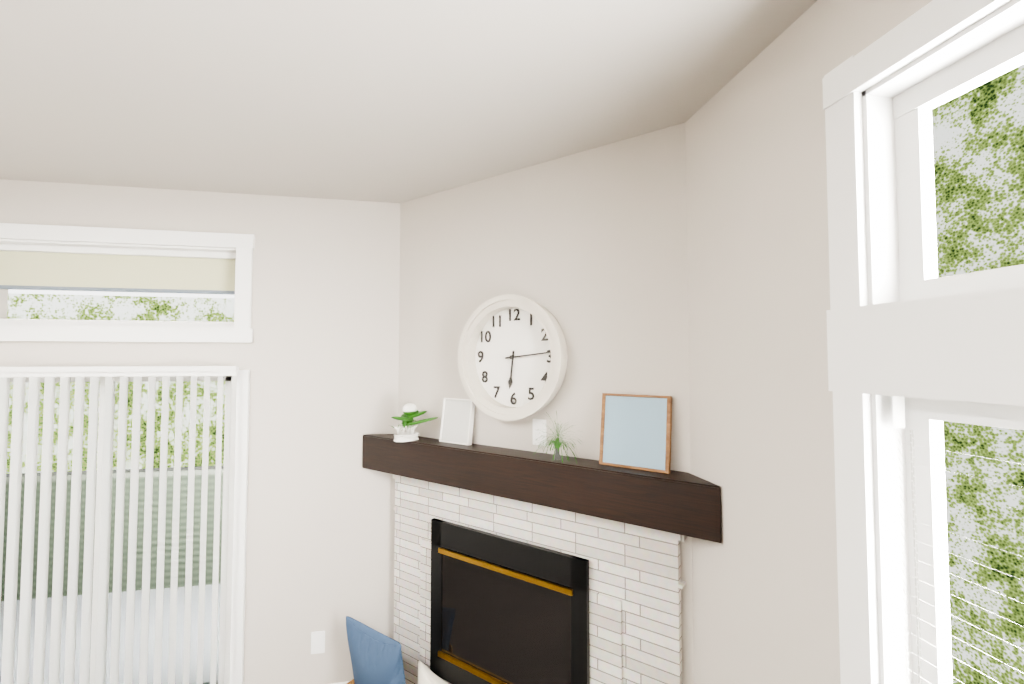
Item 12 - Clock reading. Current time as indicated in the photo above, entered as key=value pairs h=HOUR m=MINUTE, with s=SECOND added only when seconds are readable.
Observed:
h=6 m=14
